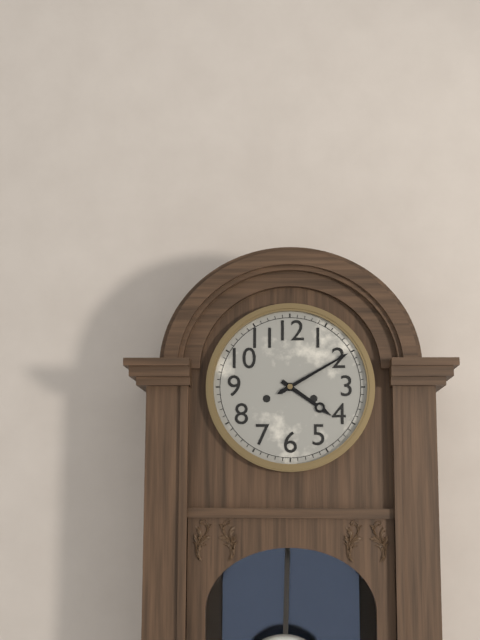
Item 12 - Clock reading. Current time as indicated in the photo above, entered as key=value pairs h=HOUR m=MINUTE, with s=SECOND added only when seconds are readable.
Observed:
h=4 m=10
